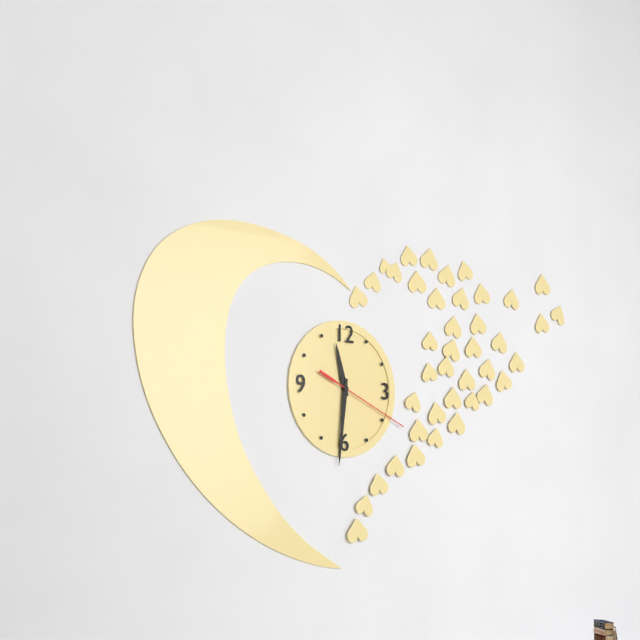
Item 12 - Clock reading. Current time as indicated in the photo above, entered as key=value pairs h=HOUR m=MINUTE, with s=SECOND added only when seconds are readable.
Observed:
h=11 m=31 s=19
